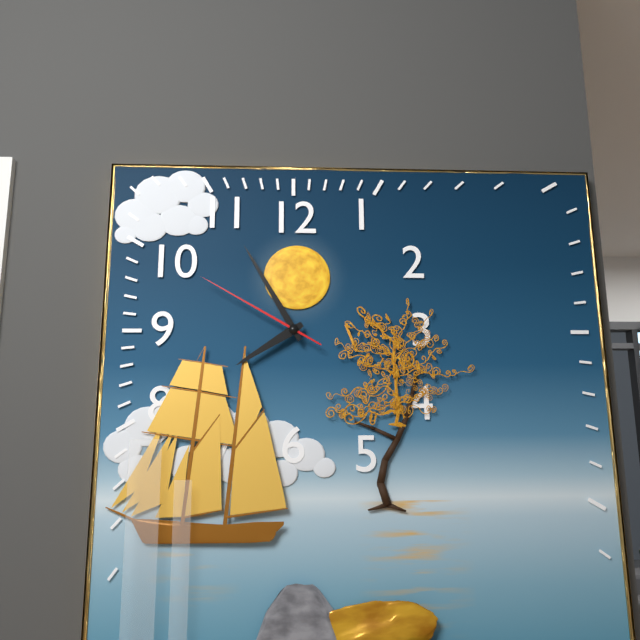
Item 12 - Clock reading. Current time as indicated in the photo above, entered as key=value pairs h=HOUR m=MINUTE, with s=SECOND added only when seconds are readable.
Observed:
h=7 m=55 s=50
